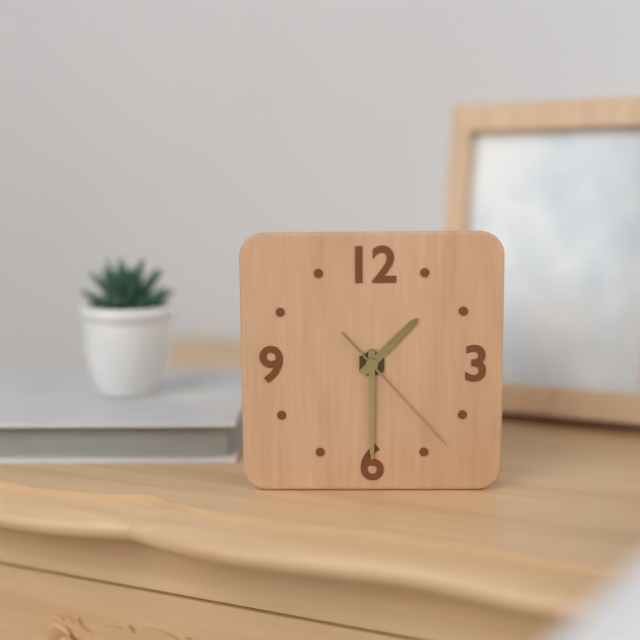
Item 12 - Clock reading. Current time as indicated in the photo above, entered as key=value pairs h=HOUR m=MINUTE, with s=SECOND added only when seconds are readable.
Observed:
h=1 m=30 s=23
